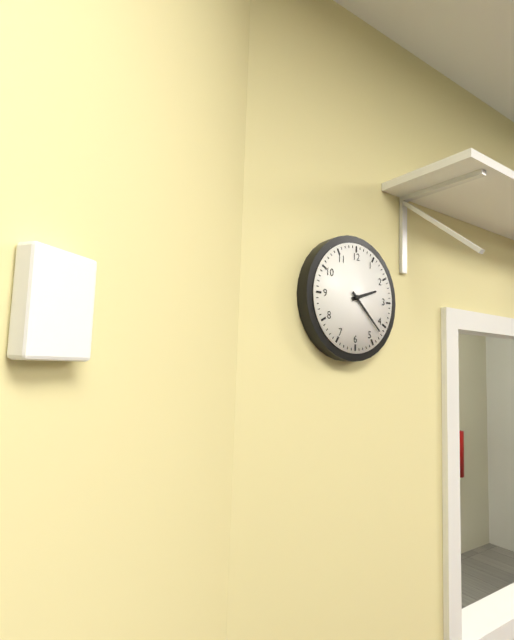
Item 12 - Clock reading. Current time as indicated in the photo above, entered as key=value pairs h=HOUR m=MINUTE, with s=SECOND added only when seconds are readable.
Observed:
h=2 m=22
